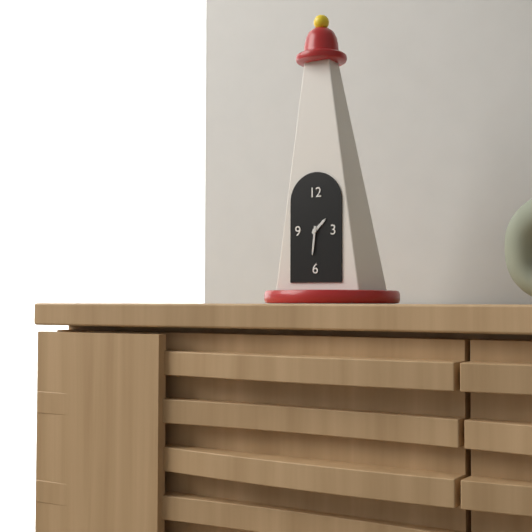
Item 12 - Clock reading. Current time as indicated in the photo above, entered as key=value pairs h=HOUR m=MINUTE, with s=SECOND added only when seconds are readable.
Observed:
h=1 m=31
